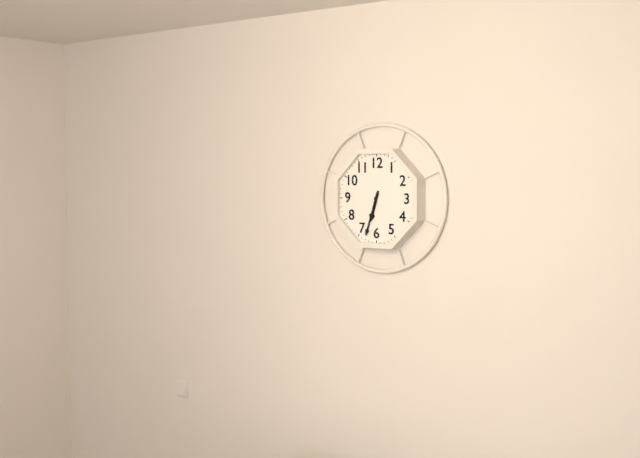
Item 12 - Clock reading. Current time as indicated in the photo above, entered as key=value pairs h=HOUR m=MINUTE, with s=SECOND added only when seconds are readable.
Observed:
h=6 m=33
